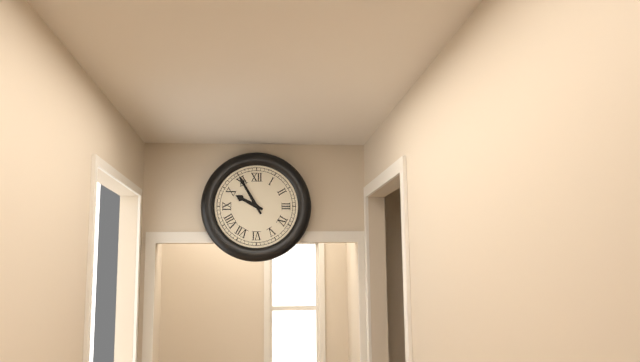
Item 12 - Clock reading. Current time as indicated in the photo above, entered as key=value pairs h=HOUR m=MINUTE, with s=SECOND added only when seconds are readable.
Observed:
h=9 m=55
